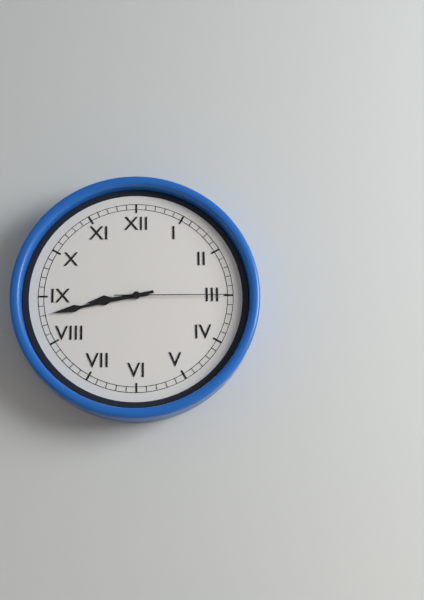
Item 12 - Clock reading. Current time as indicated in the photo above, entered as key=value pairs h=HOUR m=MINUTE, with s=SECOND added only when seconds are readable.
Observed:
h=8 m=43 s=15
